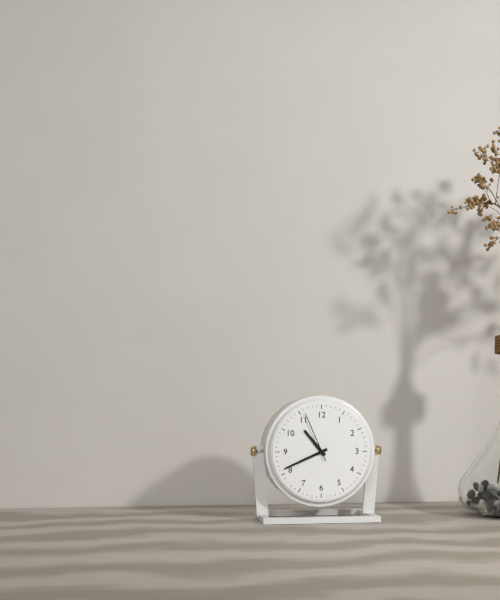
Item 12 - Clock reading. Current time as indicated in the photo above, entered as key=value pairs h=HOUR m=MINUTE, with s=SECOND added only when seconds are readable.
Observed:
h=10 m=41 s=56
